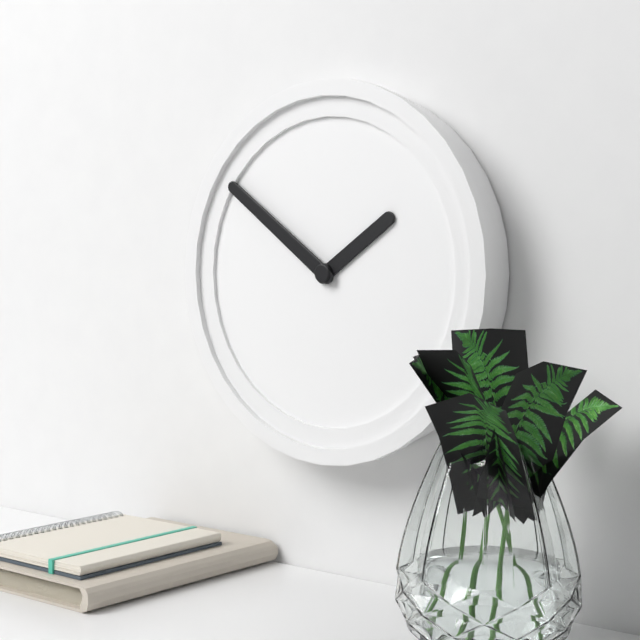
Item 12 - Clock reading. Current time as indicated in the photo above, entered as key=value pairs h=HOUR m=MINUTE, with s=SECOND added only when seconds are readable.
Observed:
h=1 m=51
